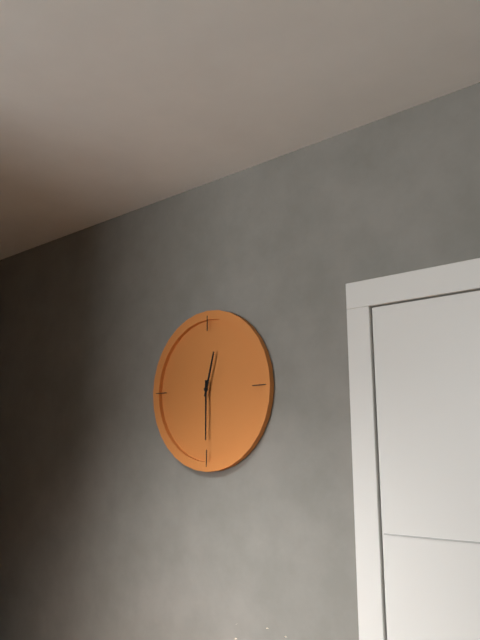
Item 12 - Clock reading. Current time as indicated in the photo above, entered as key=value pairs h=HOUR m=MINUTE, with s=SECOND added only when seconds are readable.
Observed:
h=12 m=30
